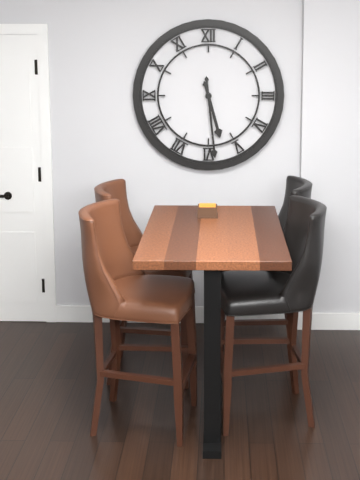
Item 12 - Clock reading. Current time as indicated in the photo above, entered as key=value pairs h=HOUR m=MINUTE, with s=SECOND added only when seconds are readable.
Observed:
h=5 m=29
